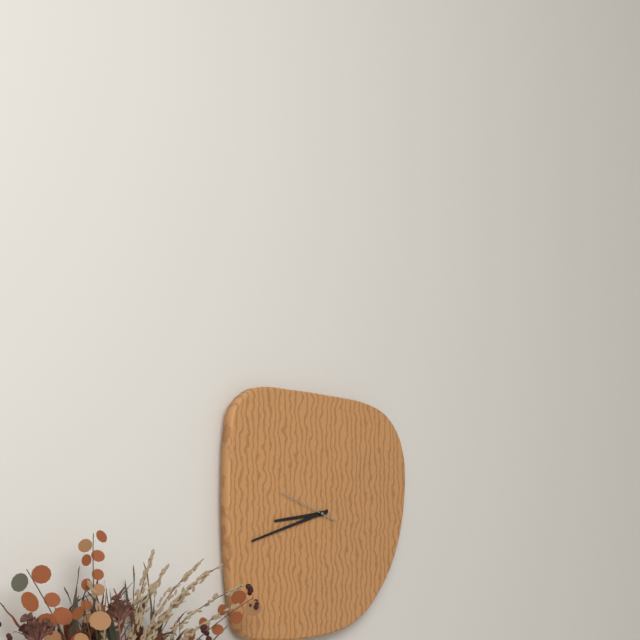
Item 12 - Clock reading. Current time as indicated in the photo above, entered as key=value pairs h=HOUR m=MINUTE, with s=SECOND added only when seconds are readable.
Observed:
h=8 m=42 s=48
